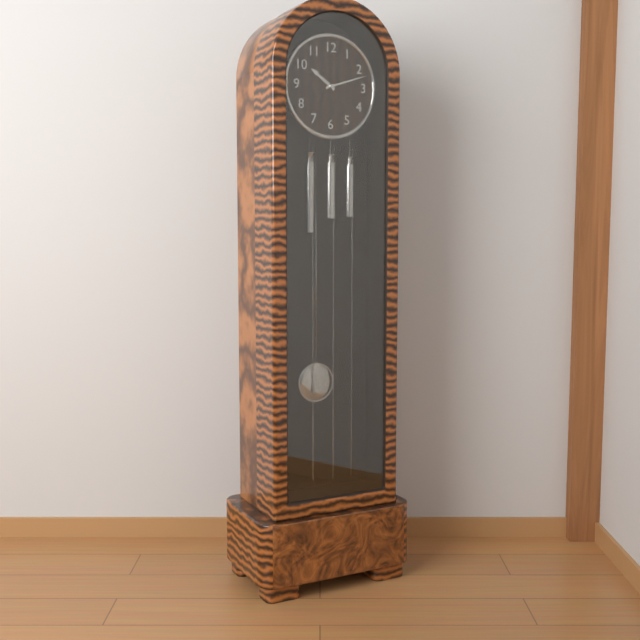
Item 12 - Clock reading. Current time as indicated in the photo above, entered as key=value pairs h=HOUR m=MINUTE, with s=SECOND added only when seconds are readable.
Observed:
h=10 m=12
